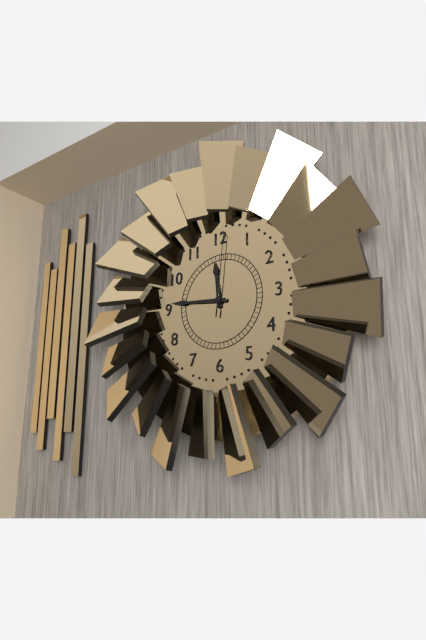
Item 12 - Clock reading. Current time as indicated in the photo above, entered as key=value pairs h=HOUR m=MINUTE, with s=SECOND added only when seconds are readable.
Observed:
h=11 m=46 s=1
